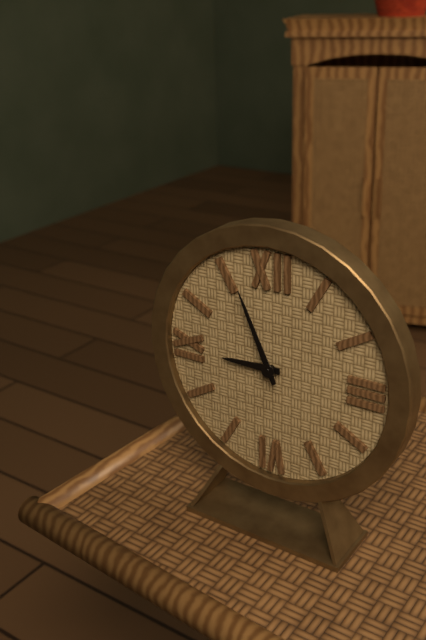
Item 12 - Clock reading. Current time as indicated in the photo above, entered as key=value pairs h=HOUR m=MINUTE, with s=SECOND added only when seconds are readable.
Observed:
h=8 m=56
